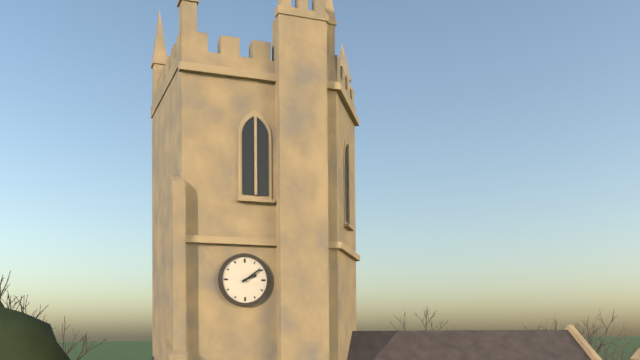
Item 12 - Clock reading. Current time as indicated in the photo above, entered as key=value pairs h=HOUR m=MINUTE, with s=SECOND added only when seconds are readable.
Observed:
h=2 m=9
